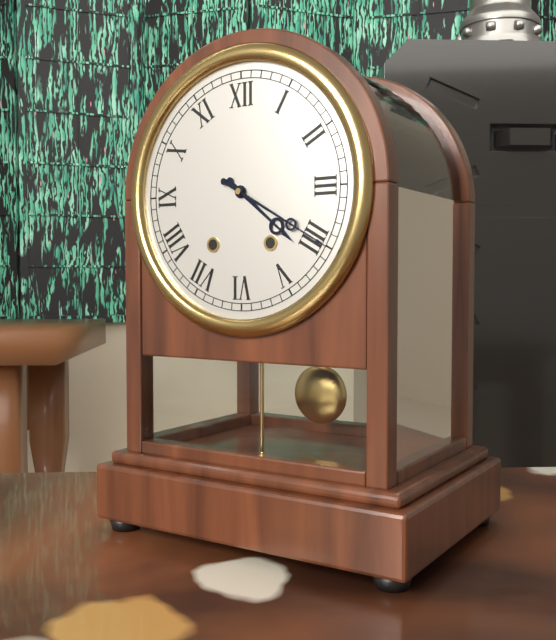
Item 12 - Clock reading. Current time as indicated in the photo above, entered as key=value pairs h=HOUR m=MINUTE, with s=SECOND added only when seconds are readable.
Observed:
h=4 m=20
